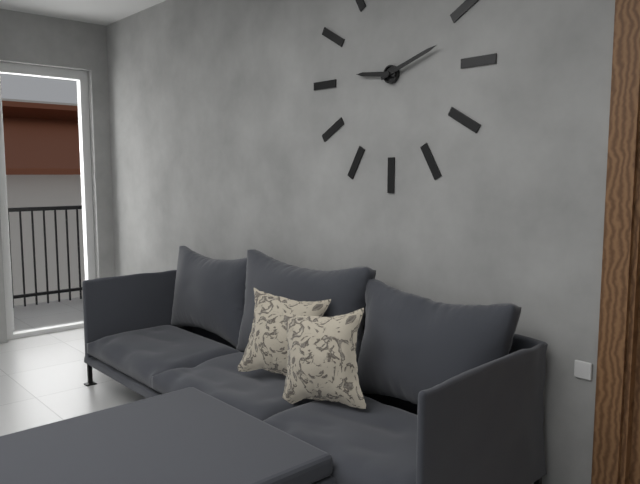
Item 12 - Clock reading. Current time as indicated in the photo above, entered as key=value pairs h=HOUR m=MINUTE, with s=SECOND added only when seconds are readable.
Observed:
h=9 m=12
